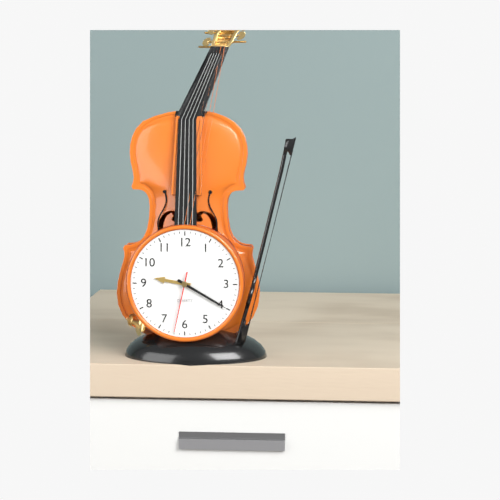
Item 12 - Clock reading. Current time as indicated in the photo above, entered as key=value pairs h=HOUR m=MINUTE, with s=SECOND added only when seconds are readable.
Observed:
h=9 m=20 s=32
